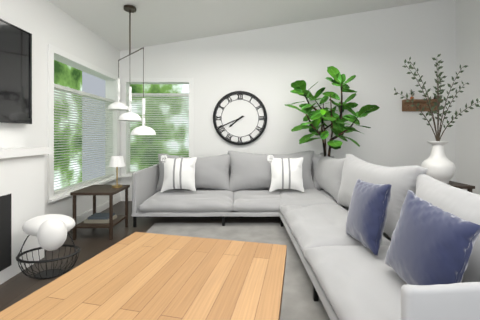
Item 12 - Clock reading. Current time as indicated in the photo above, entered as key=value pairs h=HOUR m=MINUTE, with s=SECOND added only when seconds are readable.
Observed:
h=7 m=41
